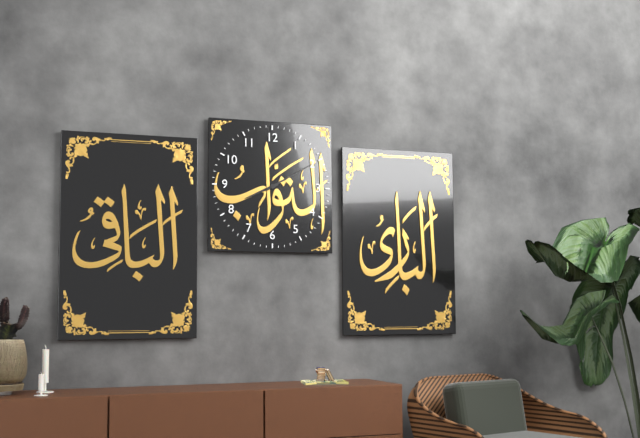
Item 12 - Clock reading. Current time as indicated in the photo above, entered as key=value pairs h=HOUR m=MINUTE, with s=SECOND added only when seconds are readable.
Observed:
h=8 m=10
